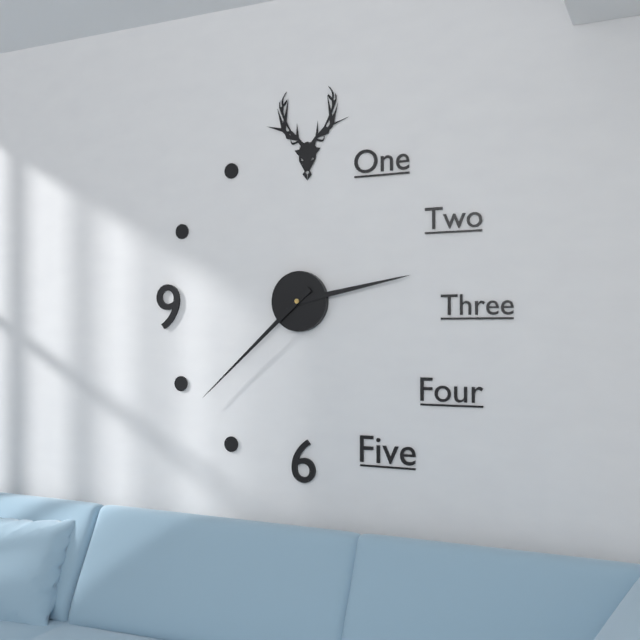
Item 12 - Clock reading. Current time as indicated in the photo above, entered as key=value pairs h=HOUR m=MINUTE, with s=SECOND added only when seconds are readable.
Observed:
h=2 m=38
